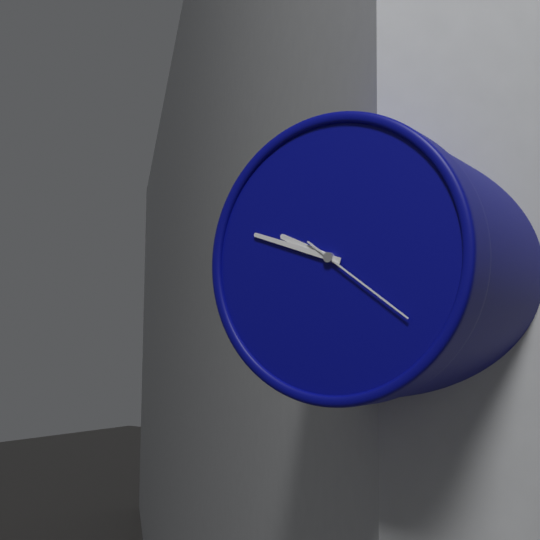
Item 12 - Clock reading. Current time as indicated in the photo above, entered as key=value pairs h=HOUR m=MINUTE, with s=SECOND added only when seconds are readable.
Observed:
h=9 m=48 s=21
